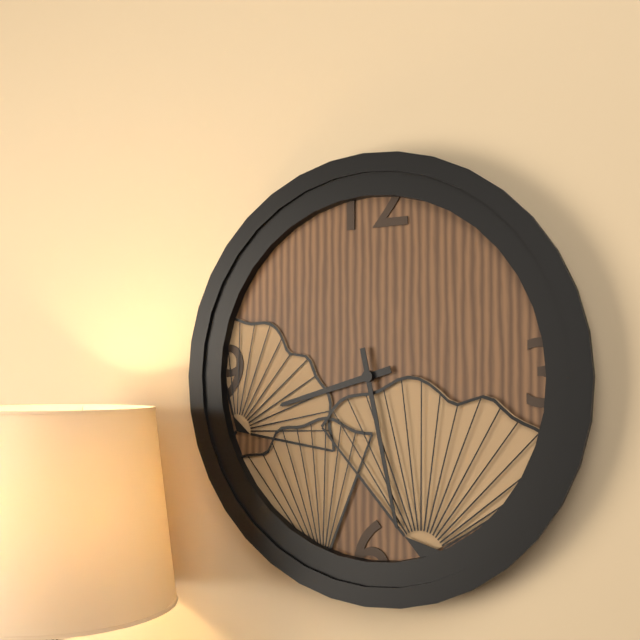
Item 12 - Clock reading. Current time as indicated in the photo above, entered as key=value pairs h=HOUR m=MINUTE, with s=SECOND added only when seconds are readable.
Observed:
h=8 m=28
